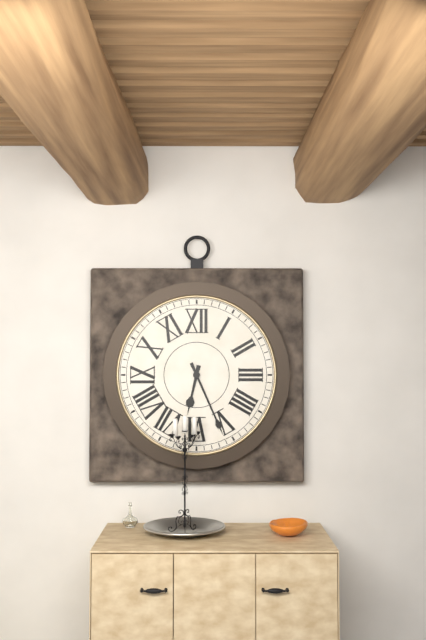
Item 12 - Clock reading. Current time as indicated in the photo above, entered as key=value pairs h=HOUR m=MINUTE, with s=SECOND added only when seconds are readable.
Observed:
h=6 m=26
